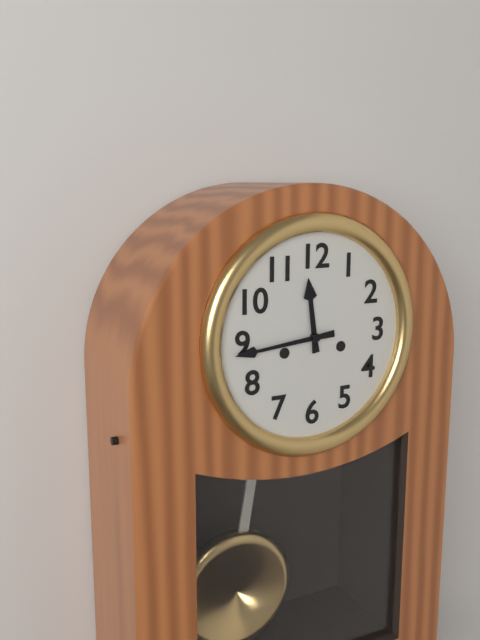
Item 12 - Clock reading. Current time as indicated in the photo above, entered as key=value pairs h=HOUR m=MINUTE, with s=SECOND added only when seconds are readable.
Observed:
h=11 m=44
